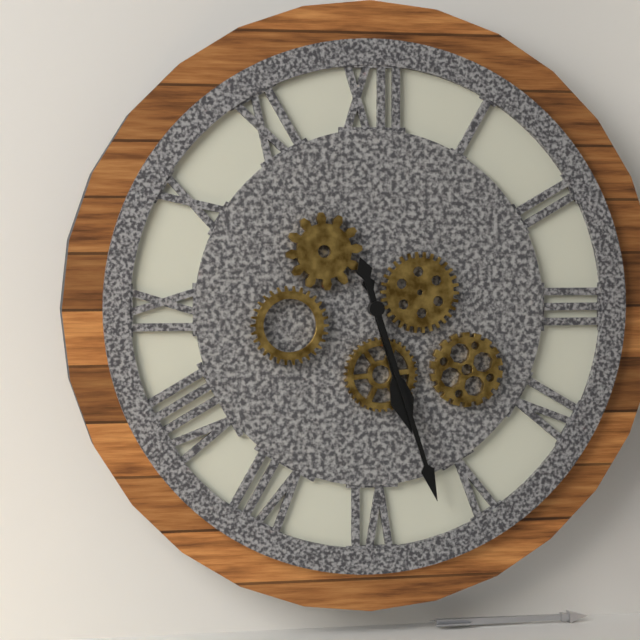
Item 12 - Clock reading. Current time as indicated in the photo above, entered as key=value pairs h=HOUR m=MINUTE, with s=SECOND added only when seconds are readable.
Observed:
h=5 m=27
